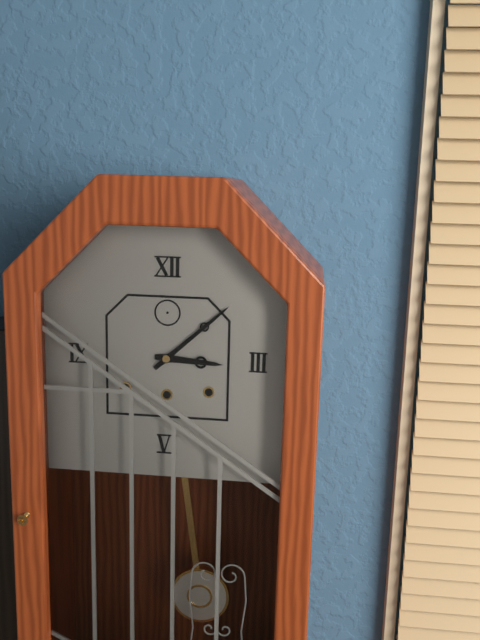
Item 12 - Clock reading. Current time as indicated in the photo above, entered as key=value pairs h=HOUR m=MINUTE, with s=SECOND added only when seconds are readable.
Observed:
h=3 m=8
